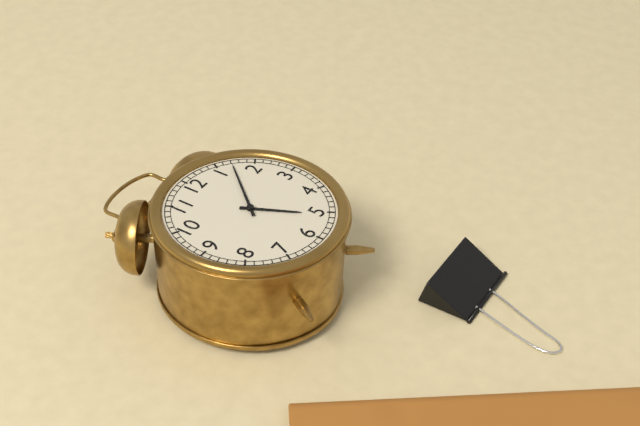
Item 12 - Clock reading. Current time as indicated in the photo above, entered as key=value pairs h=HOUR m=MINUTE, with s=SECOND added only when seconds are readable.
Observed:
h=5 m=7
